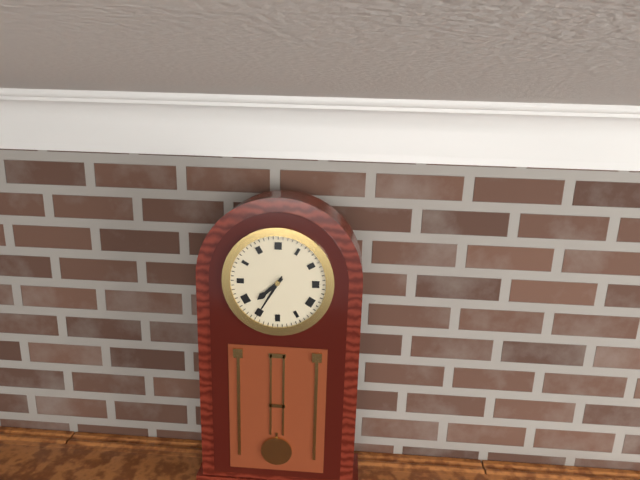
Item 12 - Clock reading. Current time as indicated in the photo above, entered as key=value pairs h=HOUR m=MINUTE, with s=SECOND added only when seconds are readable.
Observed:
h=7 m=35
